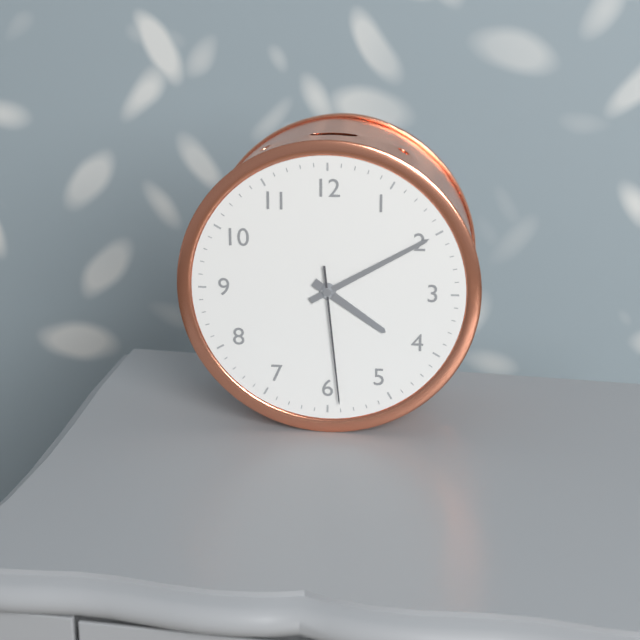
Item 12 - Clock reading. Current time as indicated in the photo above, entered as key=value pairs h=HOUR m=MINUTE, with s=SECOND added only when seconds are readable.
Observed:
h=4 m=10 s=29
